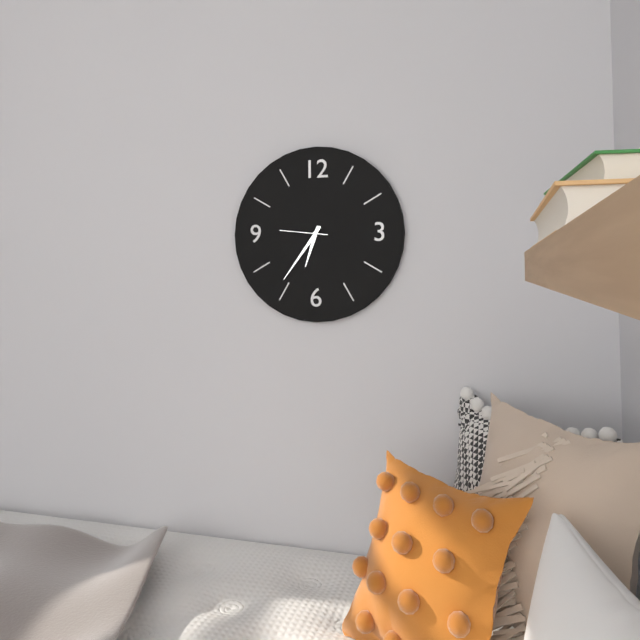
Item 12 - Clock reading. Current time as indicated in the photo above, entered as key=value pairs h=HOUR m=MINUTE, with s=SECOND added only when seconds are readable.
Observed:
h=6 m=36
